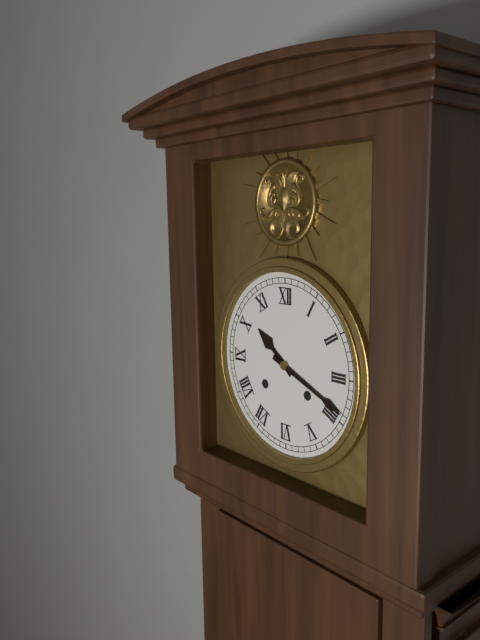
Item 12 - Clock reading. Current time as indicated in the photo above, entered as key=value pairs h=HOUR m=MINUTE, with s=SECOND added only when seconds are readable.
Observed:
h=10 m=19
